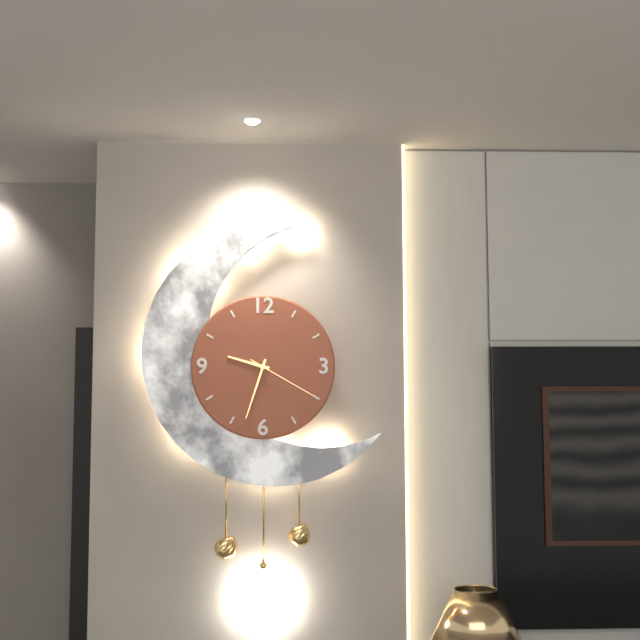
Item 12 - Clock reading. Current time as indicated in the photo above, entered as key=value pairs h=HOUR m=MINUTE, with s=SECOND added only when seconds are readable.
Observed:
h=9 m=33 s=20
